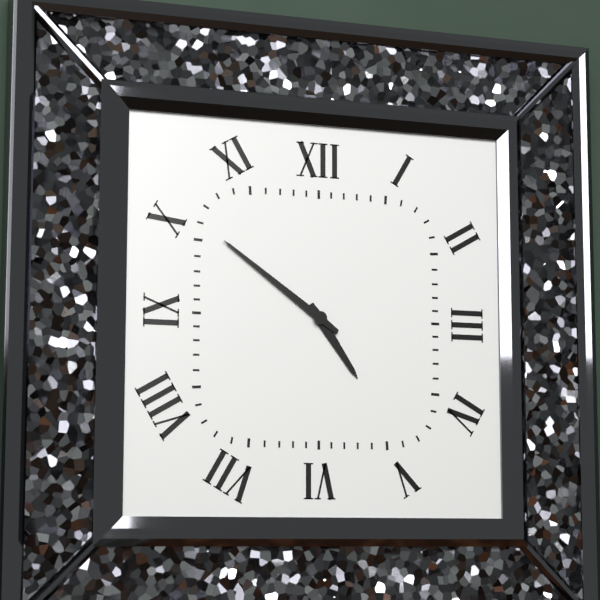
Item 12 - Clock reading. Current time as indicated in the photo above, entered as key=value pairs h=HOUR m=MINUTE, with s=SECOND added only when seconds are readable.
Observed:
h=4 m=51
